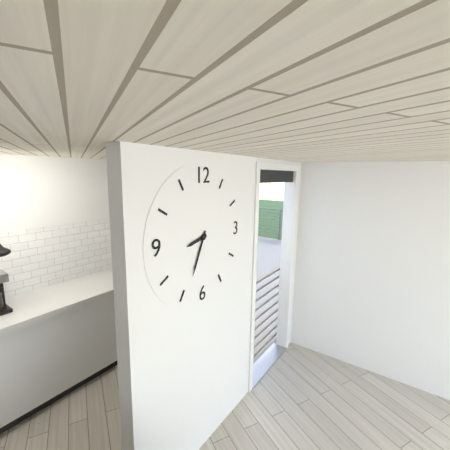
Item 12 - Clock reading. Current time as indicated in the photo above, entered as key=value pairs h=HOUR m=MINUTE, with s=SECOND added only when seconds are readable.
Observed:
h=8 m=34
